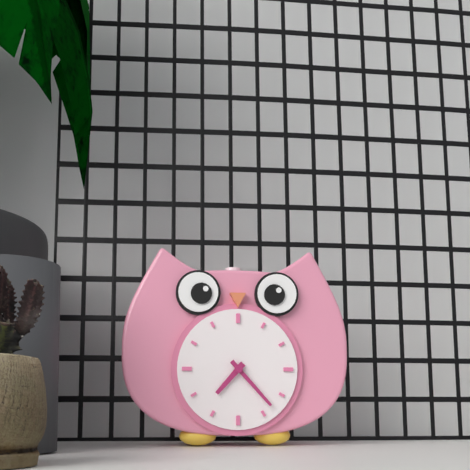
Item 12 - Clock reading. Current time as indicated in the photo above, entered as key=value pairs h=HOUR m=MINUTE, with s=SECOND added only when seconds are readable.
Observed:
h=7 m=23
